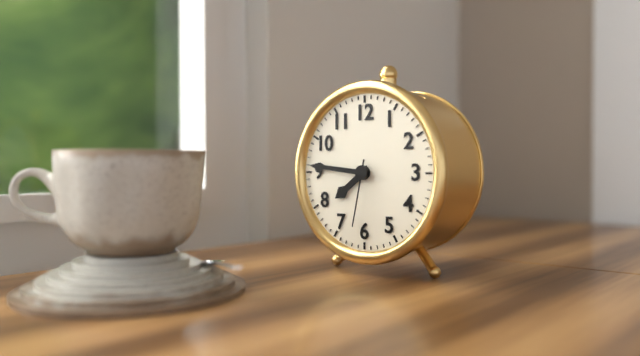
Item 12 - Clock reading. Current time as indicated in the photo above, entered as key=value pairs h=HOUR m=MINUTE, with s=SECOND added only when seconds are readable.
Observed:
h=7 m=46 s=32
